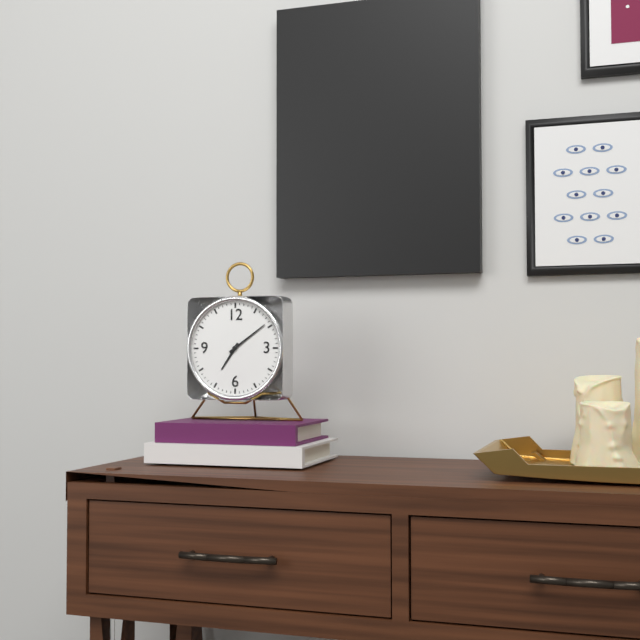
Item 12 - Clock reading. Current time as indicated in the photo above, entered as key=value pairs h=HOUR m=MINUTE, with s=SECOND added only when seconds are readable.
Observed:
h=7 m=9
